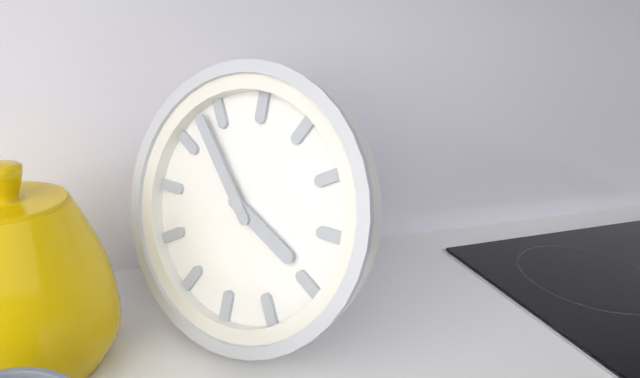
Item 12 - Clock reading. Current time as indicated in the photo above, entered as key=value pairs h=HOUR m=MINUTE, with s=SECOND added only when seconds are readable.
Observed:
h=3 m=53
